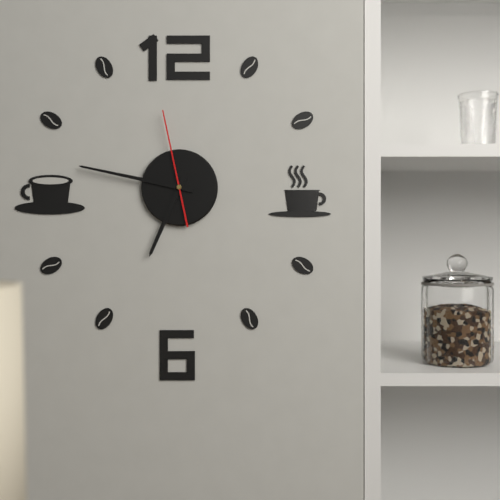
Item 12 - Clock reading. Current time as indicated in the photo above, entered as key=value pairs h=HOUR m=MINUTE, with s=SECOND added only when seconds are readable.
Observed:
h=6 m=47 s=58
